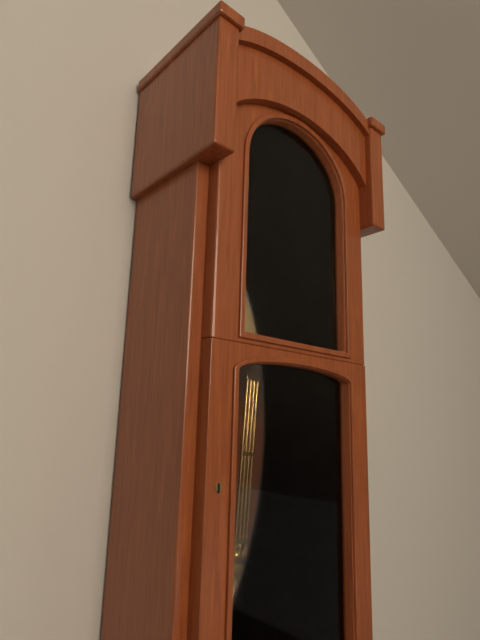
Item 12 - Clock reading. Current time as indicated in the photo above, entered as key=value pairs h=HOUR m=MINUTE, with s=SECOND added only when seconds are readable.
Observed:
h=11 m=31
